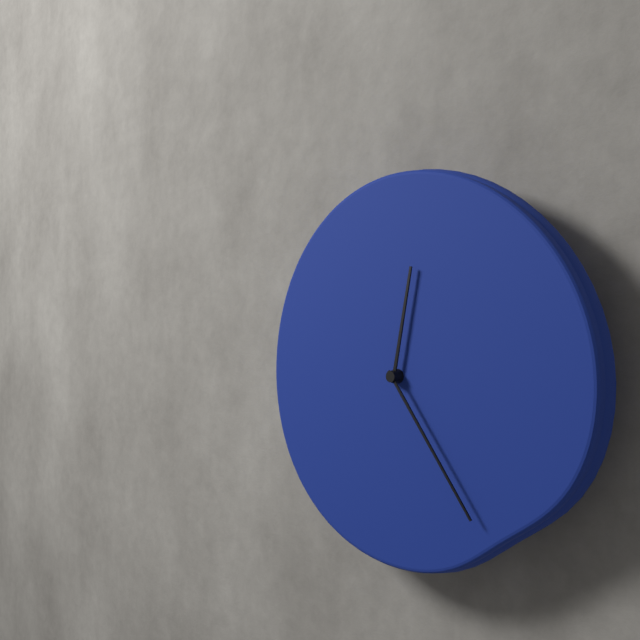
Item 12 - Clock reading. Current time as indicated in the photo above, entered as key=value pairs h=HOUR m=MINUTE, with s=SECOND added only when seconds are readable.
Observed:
h=12 m=24
